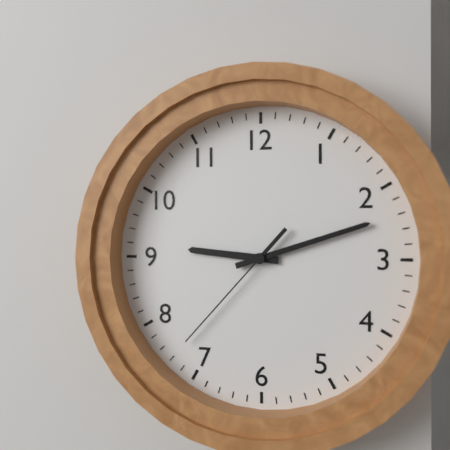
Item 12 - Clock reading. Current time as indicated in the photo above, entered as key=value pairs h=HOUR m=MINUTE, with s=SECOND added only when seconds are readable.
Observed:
h=9 m=12 s=37
